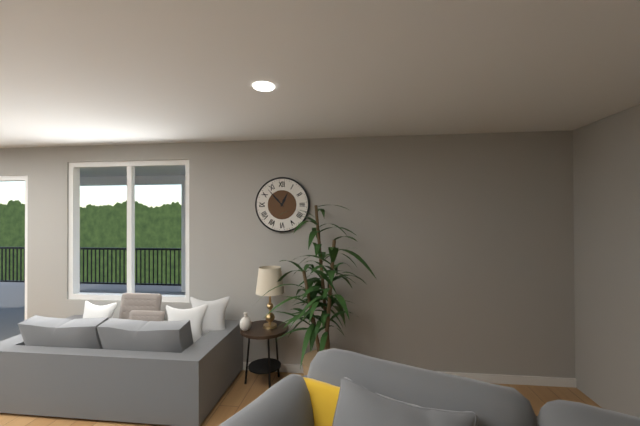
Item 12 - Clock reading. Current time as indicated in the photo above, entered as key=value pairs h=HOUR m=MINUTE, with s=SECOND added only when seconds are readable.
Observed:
h=12 m=53
